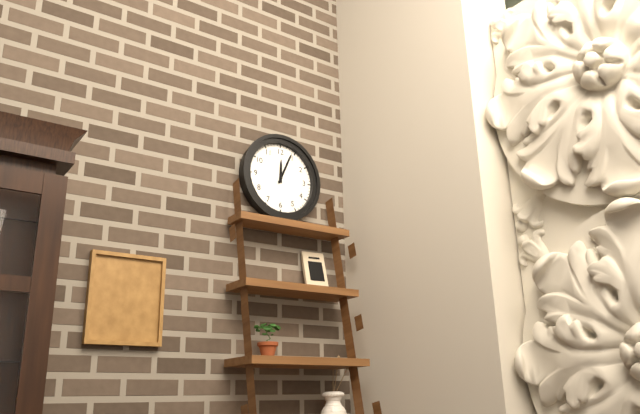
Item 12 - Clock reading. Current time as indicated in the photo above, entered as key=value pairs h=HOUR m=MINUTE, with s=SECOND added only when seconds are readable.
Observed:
h=12 m=4
